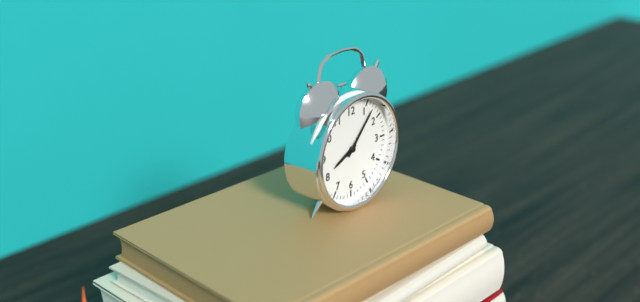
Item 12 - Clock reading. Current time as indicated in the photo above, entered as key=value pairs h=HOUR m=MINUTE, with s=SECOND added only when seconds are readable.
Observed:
h=8 m=7
